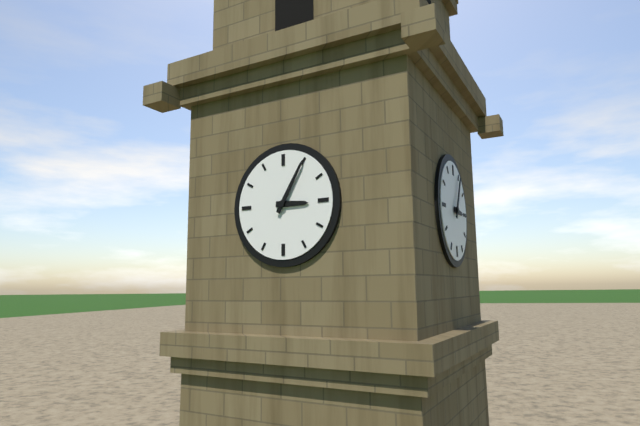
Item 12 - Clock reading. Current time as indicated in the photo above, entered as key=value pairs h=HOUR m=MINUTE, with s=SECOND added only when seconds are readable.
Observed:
h=3 m=5
